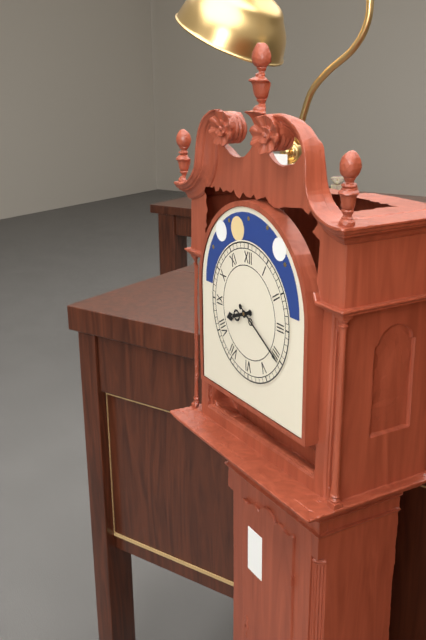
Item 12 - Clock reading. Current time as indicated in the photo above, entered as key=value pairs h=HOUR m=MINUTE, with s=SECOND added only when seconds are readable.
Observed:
h=8 m=20
